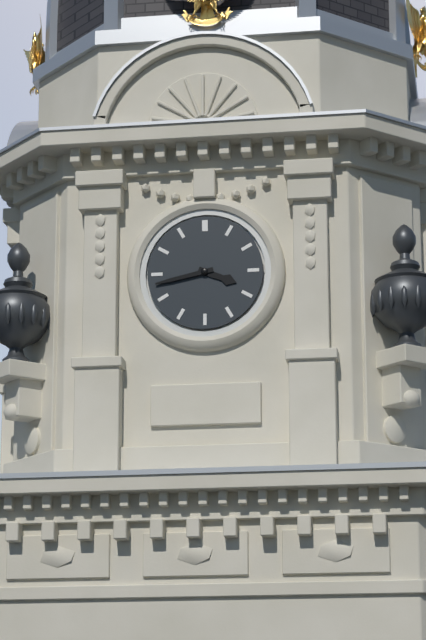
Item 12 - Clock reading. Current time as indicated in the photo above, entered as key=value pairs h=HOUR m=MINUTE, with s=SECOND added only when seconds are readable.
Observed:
h=3 m=43
